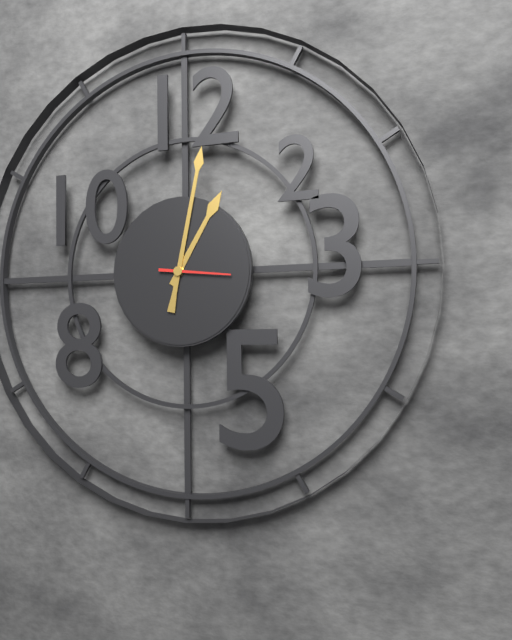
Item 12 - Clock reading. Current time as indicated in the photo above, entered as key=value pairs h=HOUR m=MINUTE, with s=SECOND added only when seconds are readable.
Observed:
h=1 m=2 s=16
